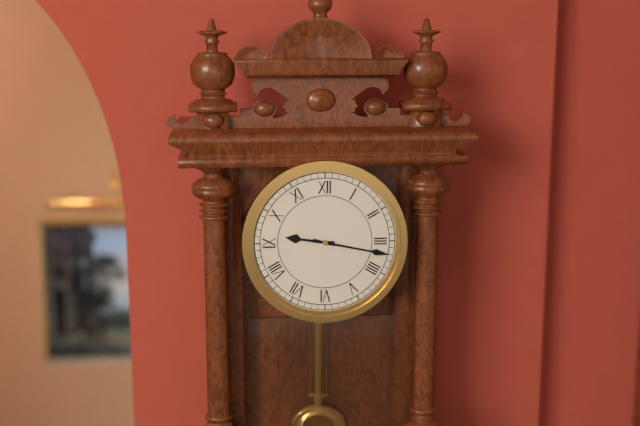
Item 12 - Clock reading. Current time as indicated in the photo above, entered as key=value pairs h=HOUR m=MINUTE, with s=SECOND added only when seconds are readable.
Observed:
h=9 m=17
